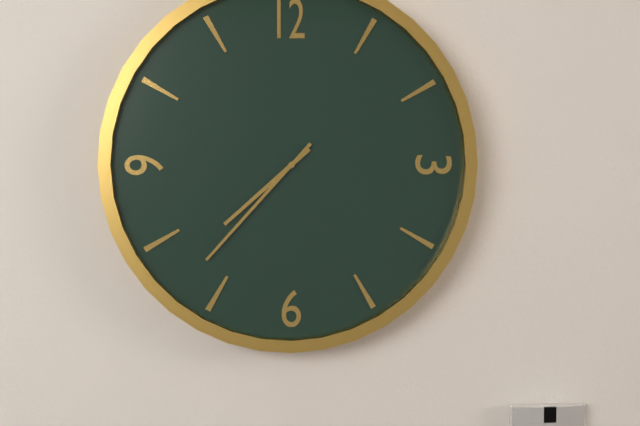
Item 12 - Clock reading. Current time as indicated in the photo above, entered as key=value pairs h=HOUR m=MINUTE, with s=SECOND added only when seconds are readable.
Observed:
h=7 m=37
